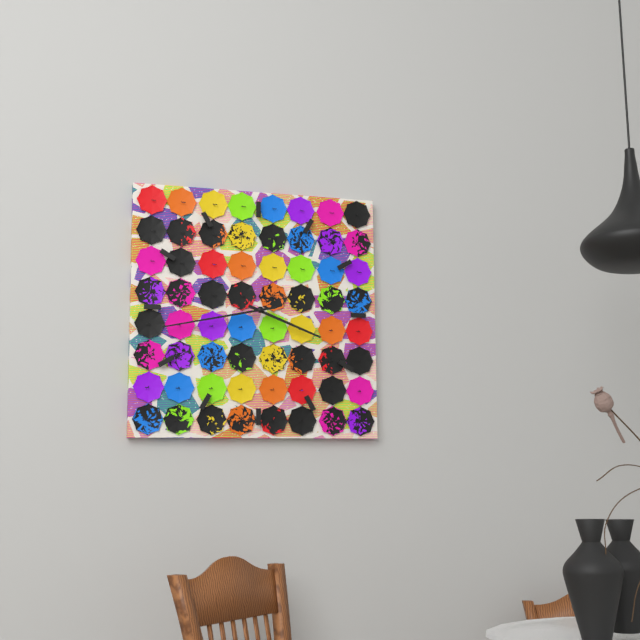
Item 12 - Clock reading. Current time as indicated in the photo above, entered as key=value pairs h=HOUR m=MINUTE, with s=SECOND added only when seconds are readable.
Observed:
h=3 m=43
